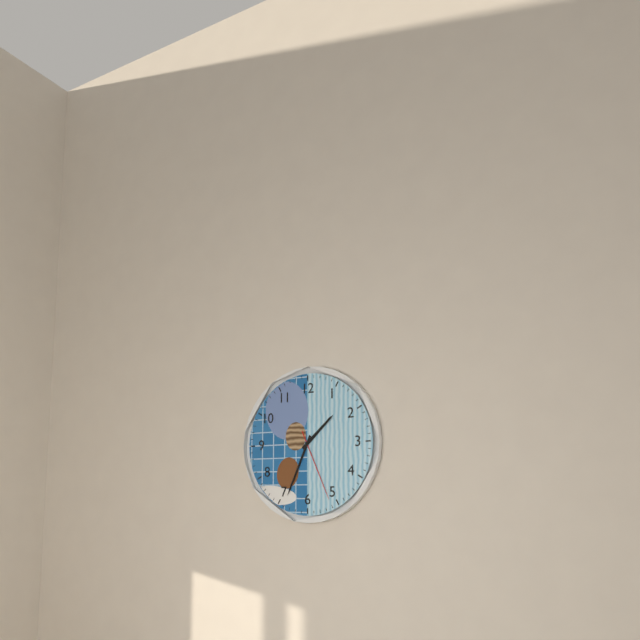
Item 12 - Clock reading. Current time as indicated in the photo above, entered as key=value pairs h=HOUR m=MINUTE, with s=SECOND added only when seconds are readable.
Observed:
h=1 m=34 s=26
